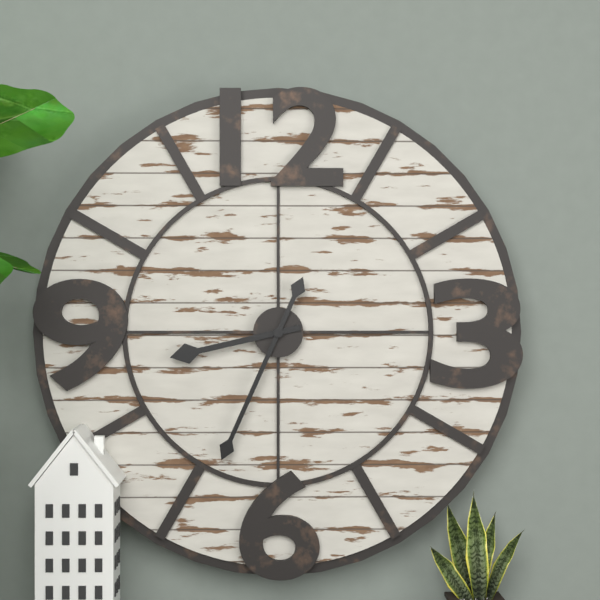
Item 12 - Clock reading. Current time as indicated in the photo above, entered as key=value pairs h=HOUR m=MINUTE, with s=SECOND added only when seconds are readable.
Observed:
h=8 m=34
